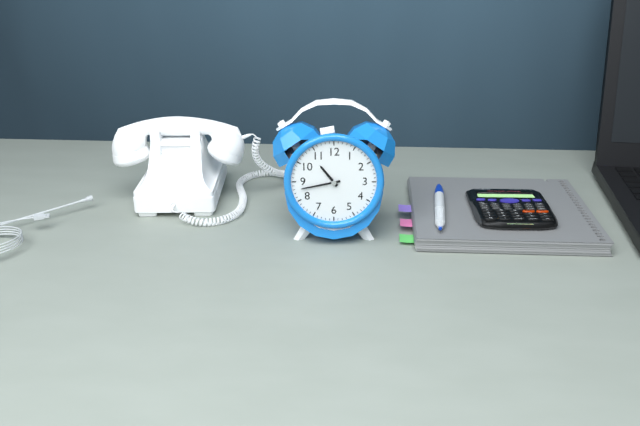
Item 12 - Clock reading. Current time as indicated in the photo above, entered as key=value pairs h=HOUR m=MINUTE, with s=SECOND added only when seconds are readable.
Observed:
h=10 m=43
